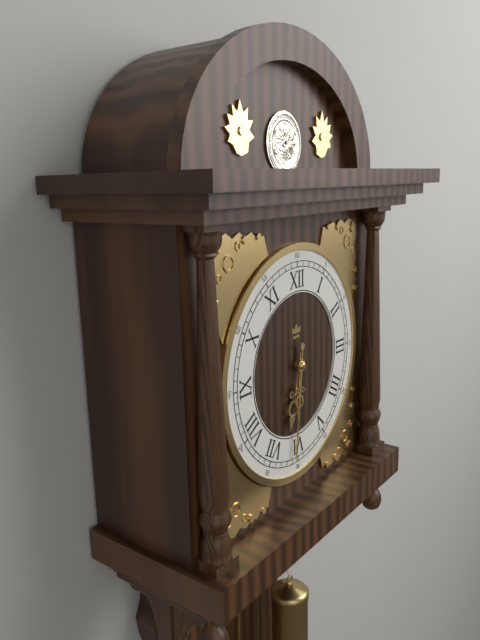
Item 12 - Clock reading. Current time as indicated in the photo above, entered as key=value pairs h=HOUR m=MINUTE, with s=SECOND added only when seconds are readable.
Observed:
h=6 m=31
